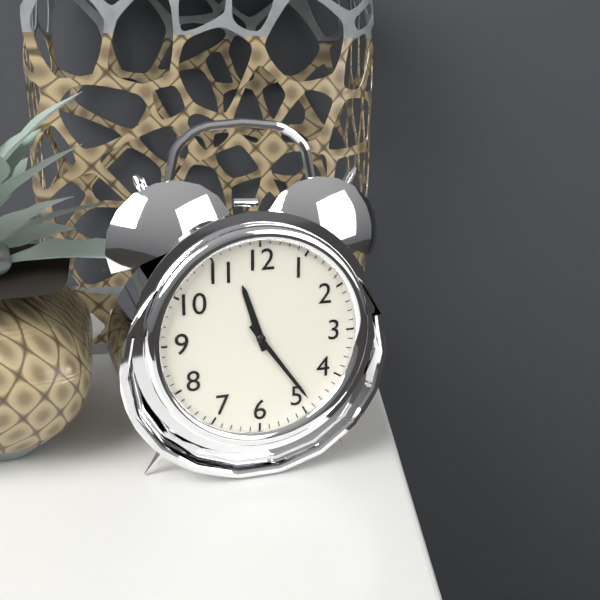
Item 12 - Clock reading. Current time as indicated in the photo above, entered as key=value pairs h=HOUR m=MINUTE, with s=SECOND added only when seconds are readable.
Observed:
h=11 m=24
